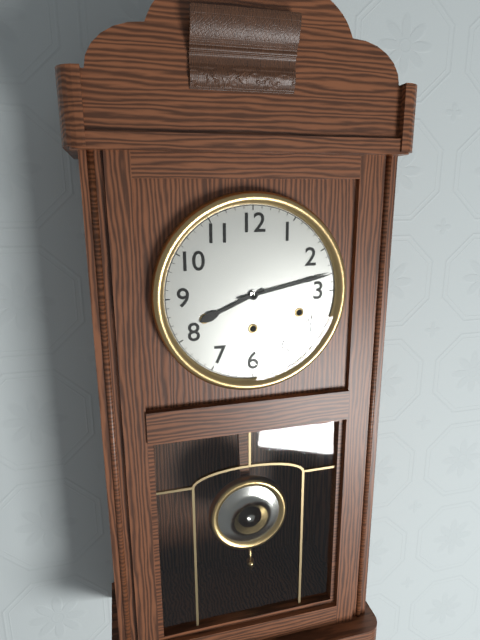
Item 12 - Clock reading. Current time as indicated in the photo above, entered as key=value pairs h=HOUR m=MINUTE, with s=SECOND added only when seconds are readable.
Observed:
h=8 m=13
